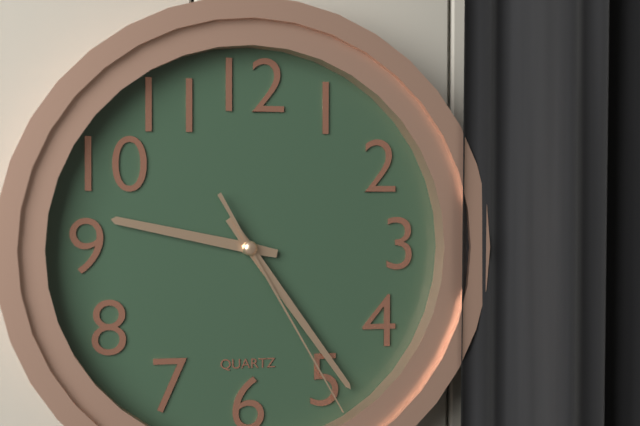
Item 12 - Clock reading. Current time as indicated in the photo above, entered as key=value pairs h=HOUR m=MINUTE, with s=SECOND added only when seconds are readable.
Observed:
h=9 m=24 s=25
